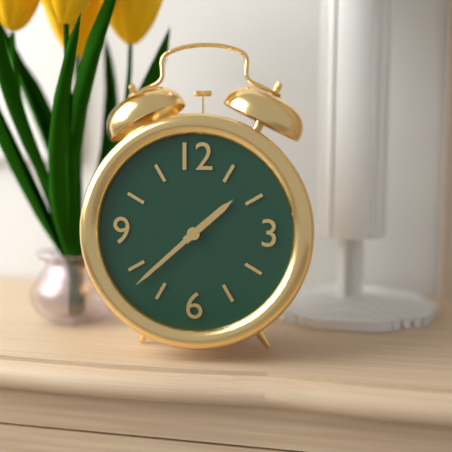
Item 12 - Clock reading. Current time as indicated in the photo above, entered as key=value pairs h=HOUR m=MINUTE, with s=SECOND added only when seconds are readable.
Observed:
h=1 m=38
